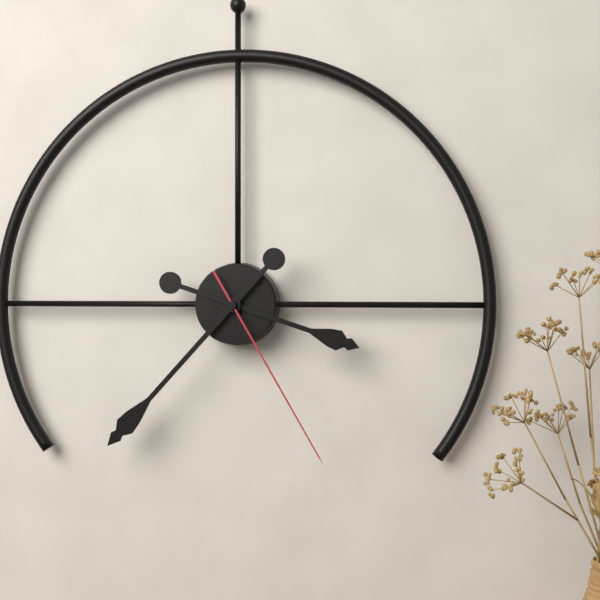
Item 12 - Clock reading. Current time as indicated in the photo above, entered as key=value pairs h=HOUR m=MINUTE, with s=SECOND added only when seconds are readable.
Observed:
h=3 m=37 s=25
